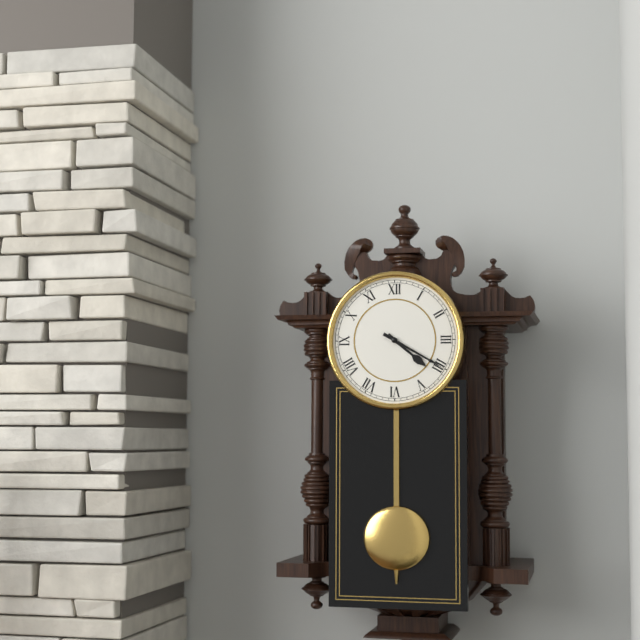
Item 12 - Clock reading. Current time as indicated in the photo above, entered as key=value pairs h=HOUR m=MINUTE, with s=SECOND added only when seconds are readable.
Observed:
h=4 m=20
